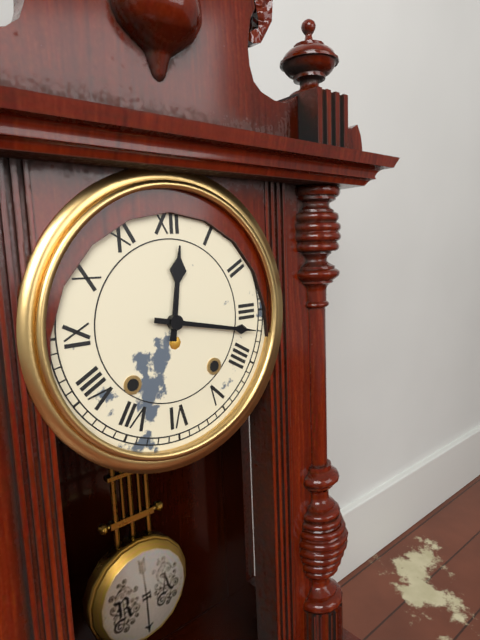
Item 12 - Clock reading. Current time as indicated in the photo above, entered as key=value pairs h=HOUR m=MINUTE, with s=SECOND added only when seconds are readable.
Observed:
h=12 m=17
